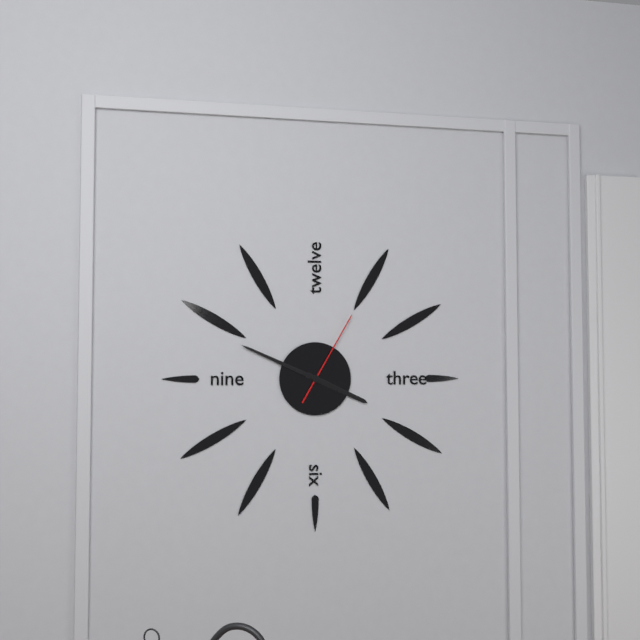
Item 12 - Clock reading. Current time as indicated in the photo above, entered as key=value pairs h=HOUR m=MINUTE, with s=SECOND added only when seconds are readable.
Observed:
h=3 m=49 s=5
